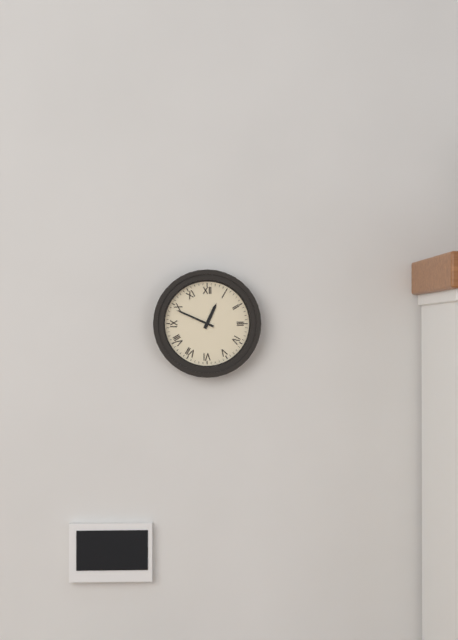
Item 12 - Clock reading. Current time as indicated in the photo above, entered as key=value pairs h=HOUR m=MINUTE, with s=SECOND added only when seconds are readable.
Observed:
h=12 m=49
